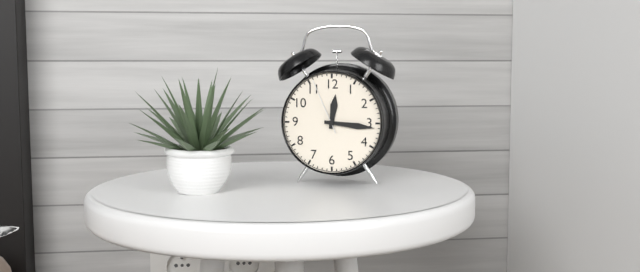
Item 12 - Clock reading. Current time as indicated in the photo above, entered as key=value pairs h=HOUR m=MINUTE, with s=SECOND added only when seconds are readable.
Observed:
h=12 m=16 s=56
